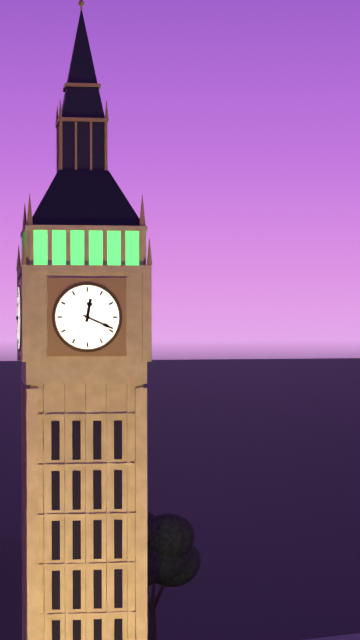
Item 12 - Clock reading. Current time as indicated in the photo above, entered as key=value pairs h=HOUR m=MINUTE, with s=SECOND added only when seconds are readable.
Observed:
h=12 m=19
